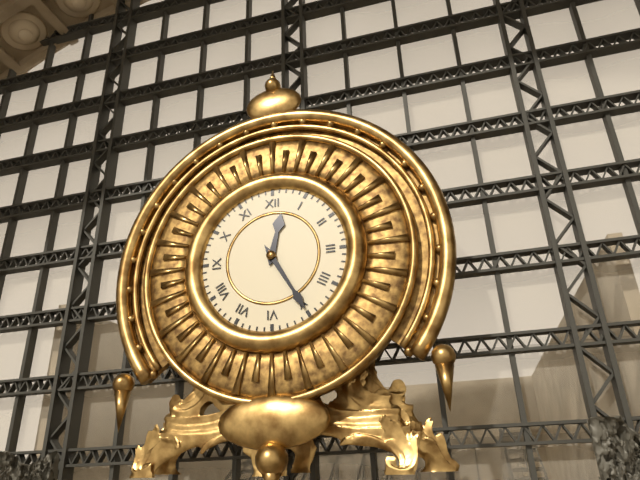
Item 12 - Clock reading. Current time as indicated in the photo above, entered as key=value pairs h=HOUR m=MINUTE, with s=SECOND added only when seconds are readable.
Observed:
h=12 m=25
